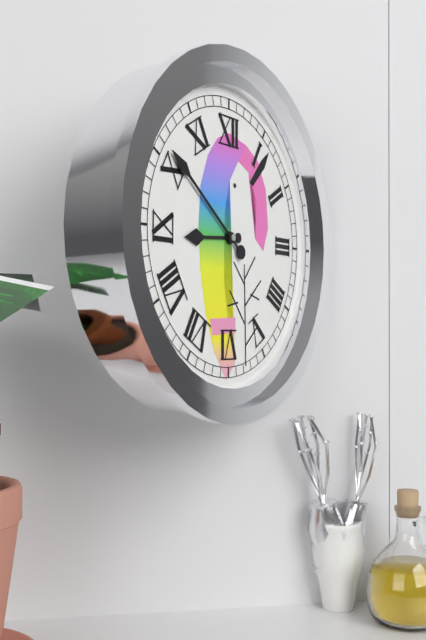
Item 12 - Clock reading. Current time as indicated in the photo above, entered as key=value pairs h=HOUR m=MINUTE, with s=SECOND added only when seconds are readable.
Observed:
h=8 m=51
